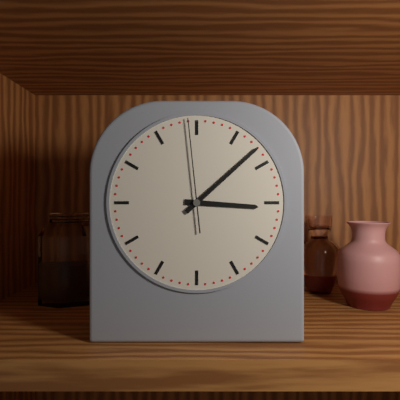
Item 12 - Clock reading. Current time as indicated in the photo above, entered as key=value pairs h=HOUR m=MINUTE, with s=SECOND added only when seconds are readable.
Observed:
h=3 m=8 s=59
